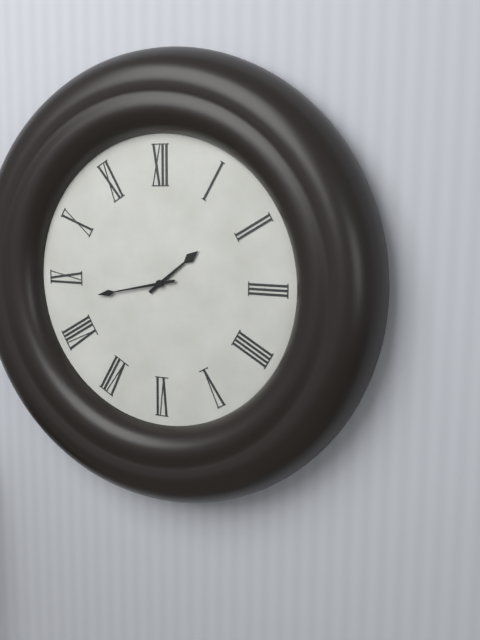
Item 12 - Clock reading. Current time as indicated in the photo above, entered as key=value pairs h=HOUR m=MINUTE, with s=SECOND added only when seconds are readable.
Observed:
h=1 m=43
